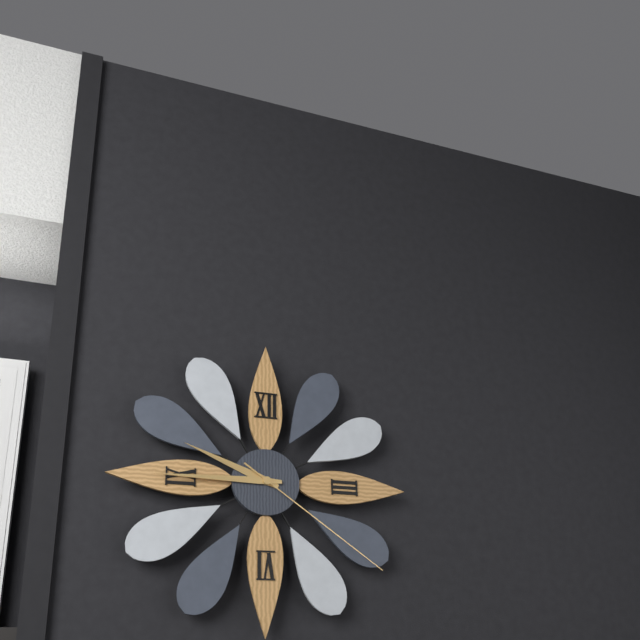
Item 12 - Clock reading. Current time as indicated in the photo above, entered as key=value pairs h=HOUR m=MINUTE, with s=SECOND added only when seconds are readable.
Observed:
h=9 m=45 s=21
